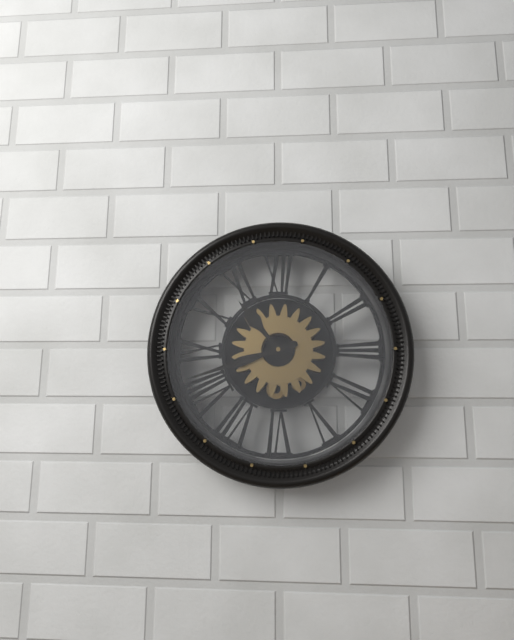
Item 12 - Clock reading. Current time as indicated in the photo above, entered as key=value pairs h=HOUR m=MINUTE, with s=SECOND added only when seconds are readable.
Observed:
h=10 m=42
